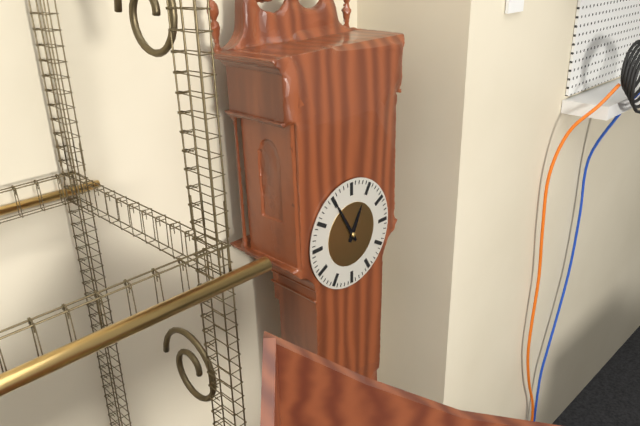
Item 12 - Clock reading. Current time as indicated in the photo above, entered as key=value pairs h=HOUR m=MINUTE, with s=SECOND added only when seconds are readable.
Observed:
h=12 m=55
